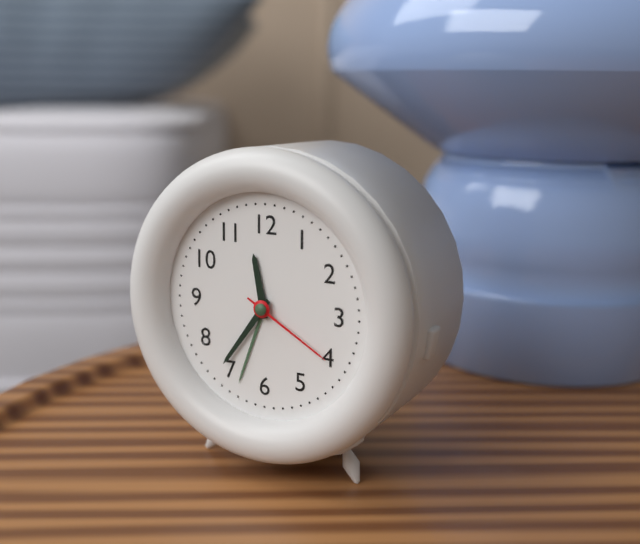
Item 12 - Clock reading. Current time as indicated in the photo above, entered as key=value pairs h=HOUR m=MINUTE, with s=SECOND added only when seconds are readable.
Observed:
h=11 m=36 s=20
